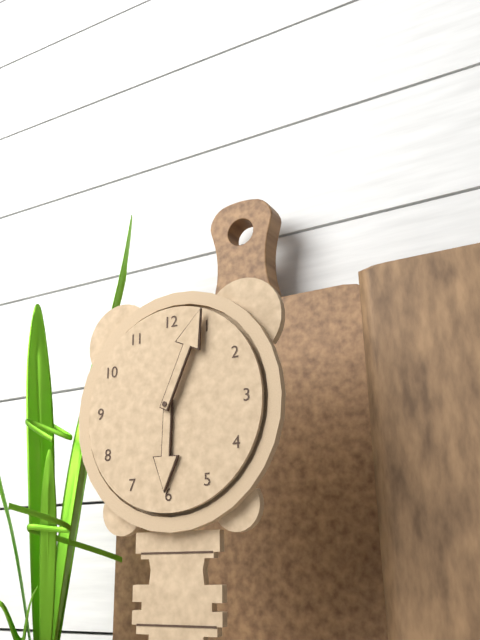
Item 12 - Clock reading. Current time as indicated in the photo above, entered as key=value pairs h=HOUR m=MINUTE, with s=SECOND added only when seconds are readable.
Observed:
h=6 m=4
